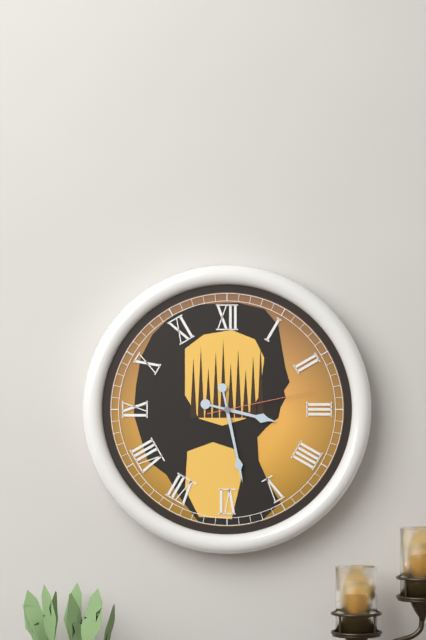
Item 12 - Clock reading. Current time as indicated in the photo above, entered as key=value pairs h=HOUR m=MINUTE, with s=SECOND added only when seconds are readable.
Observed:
h=3 m=28 s=13
